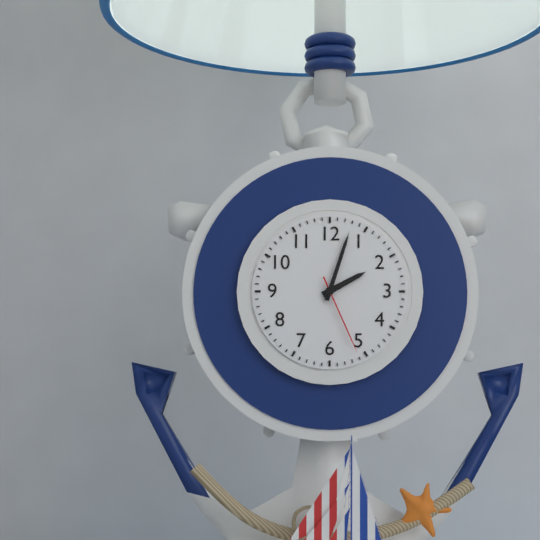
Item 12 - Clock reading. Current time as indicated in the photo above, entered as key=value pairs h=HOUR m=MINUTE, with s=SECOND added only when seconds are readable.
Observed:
h=2 m=3 s=26
